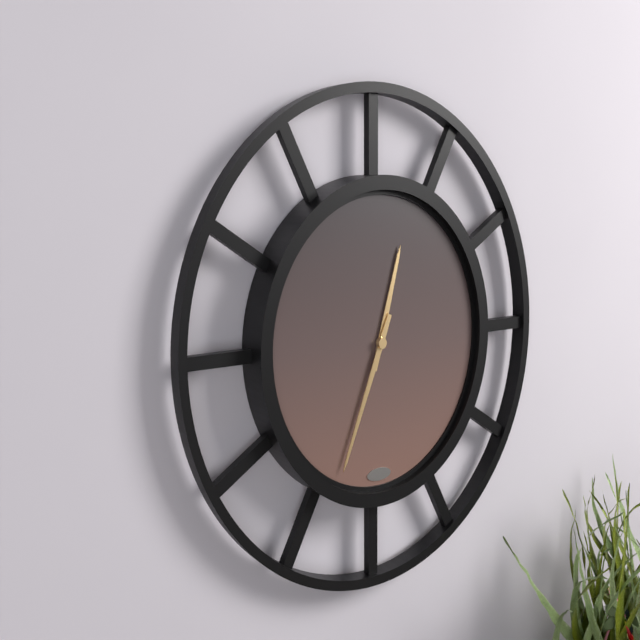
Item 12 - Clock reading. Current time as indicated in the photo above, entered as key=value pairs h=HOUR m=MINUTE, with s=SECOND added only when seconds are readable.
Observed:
h=12 m=34
